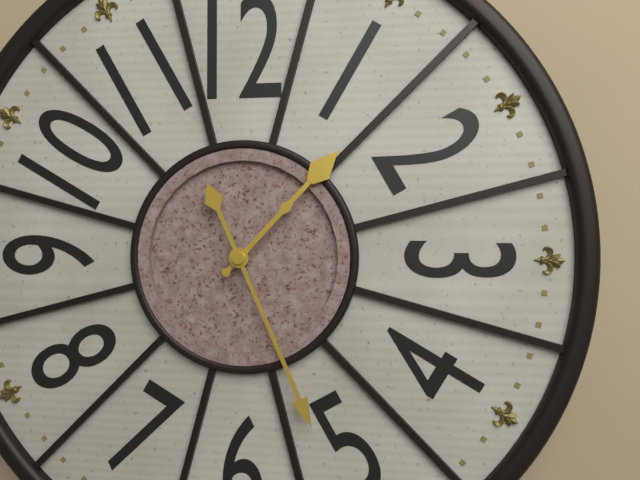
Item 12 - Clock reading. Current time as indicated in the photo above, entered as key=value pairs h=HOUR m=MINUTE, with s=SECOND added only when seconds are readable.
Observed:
h=1 m=26
